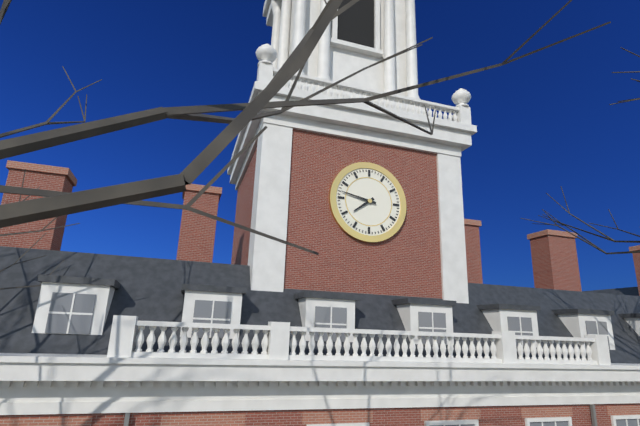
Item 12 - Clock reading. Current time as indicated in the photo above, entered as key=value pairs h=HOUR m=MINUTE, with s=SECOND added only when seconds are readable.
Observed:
h=7 m=47
